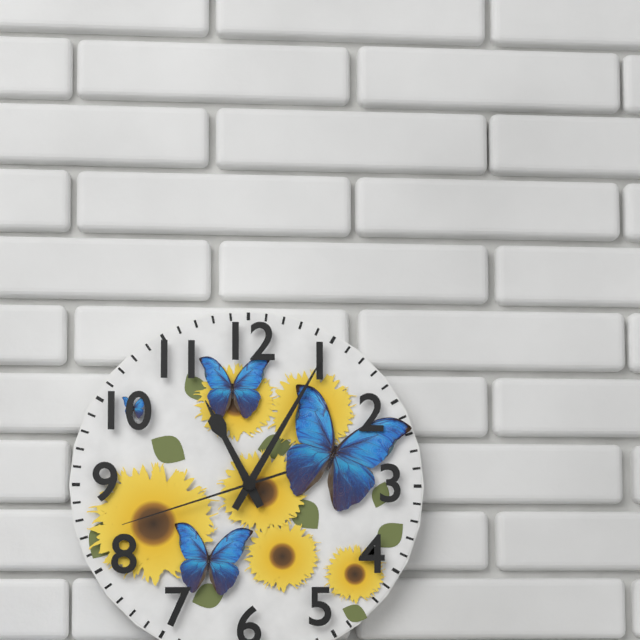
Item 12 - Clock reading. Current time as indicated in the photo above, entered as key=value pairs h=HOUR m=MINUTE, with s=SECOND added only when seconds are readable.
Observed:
h=11 m=5 s=42
